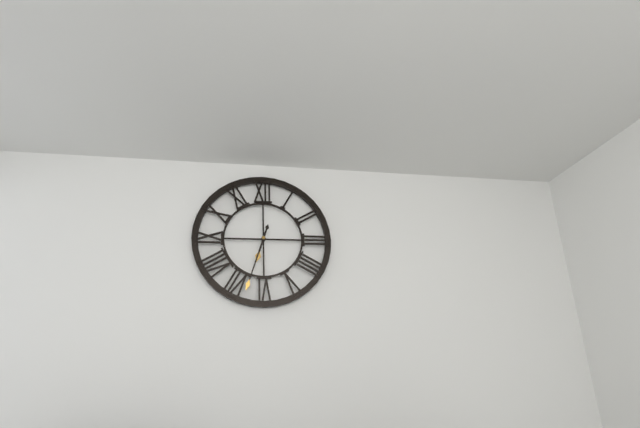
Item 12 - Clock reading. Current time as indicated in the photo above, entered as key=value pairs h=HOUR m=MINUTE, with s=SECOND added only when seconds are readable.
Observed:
h=6 m=33
